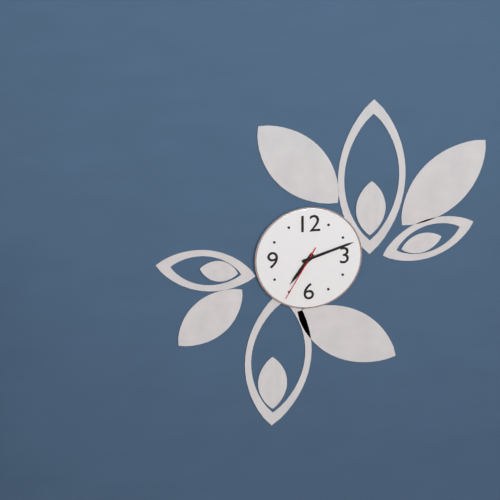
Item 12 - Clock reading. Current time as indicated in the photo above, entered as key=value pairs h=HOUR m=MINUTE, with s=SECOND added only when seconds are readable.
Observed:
h=7 m=12 s=35
